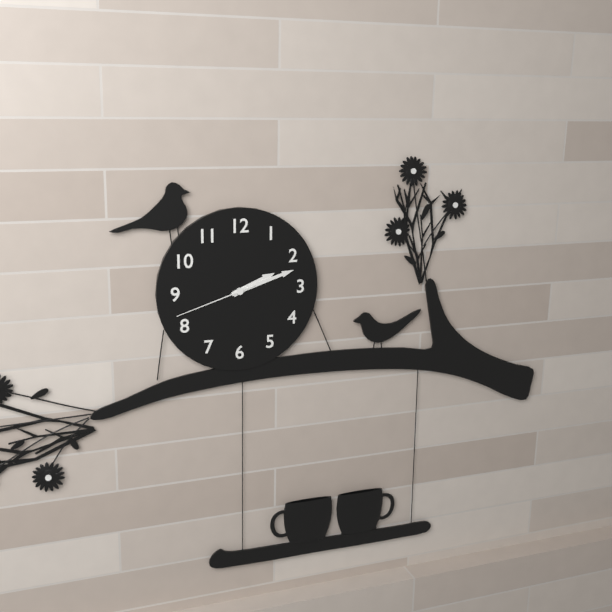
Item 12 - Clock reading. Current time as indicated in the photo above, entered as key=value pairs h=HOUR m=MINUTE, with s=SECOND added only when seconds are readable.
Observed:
h=2 m=12 s=42
